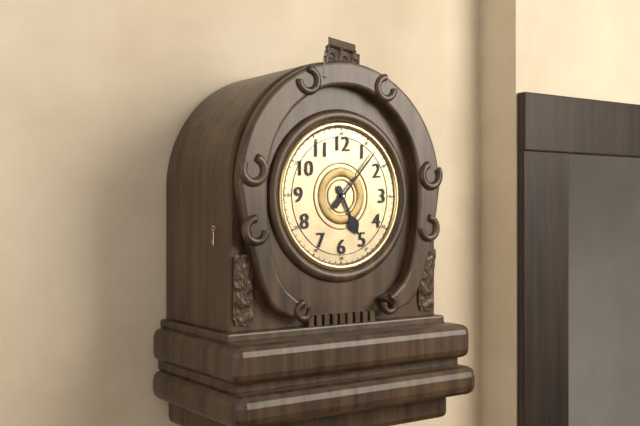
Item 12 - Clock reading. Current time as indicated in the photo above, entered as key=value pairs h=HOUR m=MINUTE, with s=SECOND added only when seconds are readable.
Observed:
h=5 m=7
